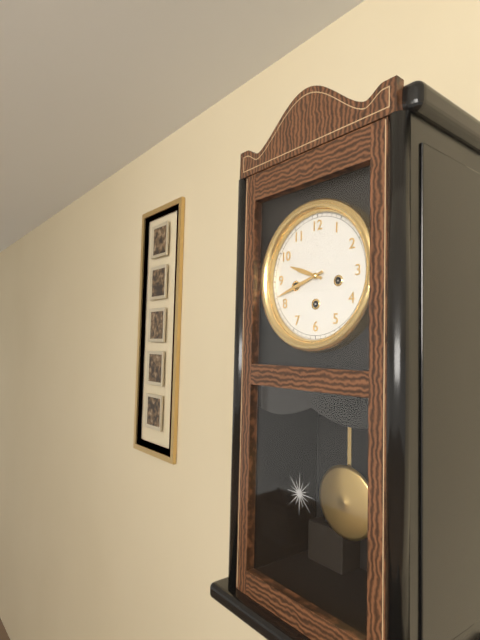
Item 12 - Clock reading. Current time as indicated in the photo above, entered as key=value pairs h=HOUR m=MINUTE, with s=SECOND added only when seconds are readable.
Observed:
h=9 m=42
